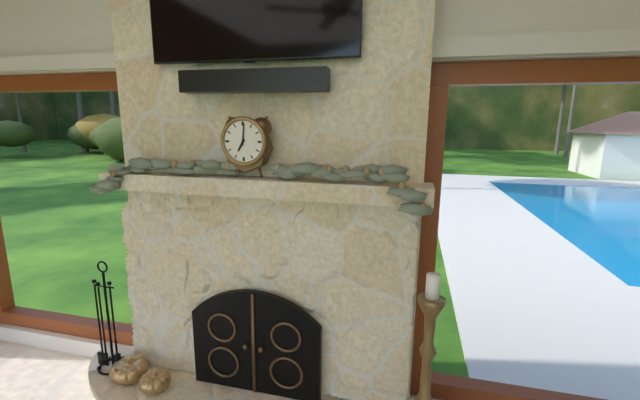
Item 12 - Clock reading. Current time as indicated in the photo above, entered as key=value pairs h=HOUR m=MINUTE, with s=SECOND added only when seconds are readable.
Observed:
h=7 m=1
